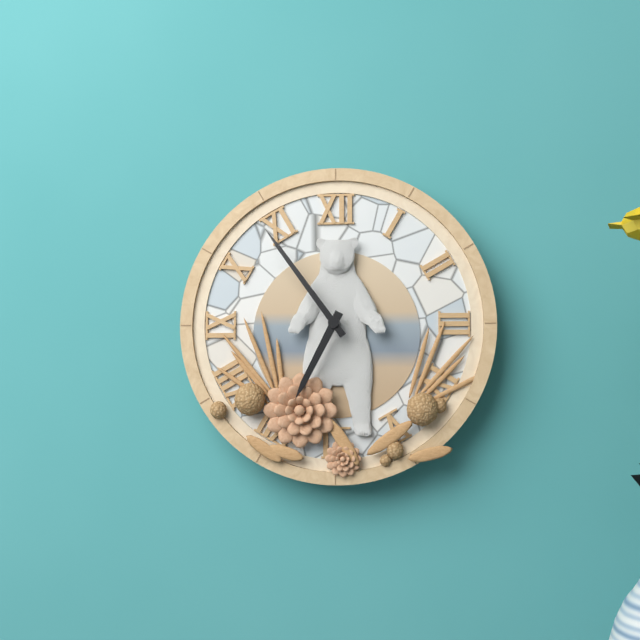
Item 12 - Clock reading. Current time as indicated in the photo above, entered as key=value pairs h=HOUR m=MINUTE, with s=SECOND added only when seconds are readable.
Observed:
h=6 m=54
